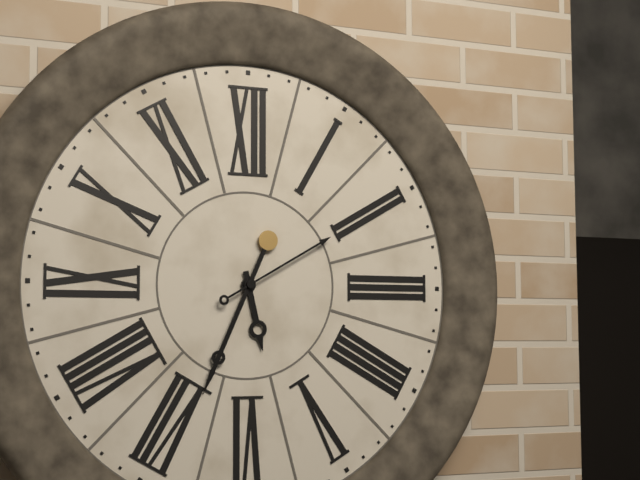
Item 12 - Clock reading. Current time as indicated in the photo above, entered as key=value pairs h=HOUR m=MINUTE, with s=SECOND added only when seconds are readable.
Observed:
h=5 m=34 s=10
